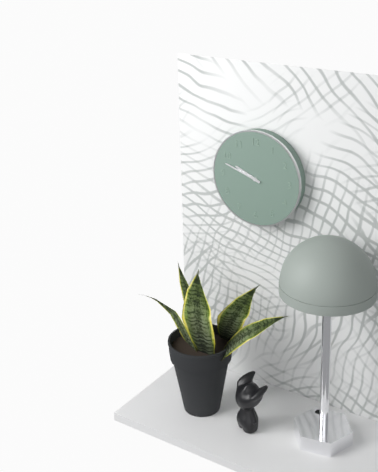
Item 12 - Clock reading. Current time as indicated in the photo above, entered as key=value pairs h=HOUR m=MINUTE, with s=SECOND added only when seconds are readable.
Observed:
h=9 m=48
